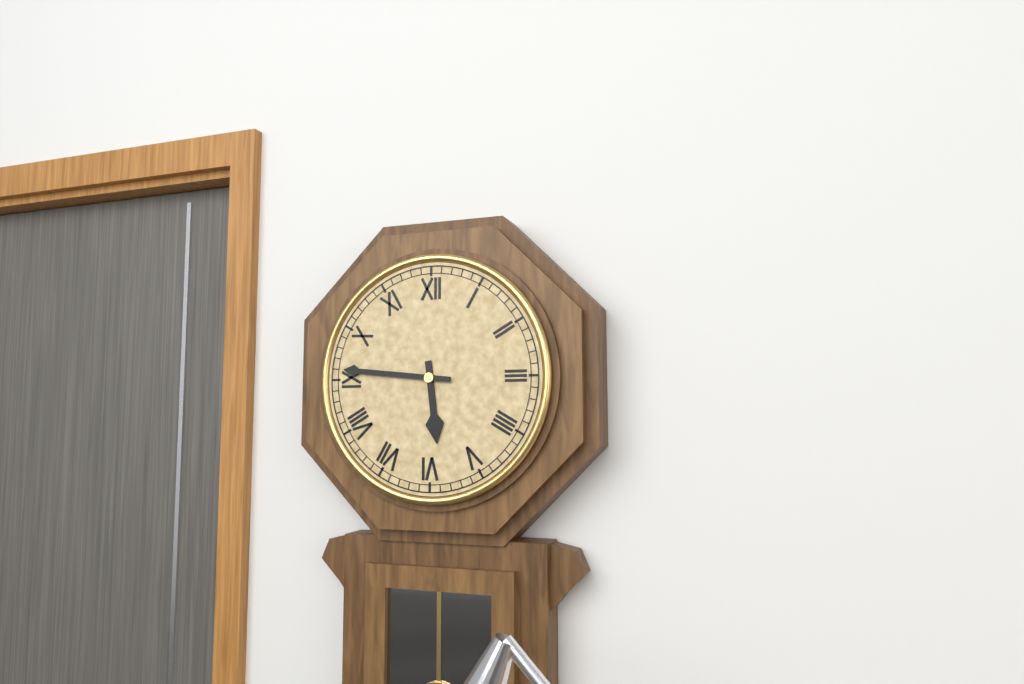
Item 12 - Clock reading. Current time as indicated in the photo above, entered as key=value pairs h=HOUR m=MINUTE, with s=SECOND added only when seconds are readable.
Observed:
h=5 m=46
